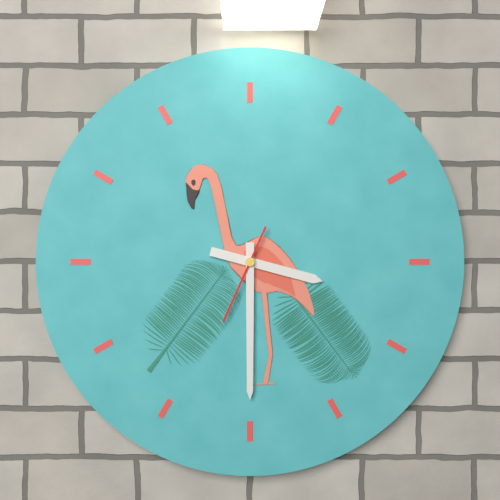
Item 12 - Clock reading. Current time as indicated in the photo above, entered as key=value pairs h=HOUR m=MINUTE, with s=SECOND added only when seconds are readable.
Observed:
h=3 m=30 s=34
